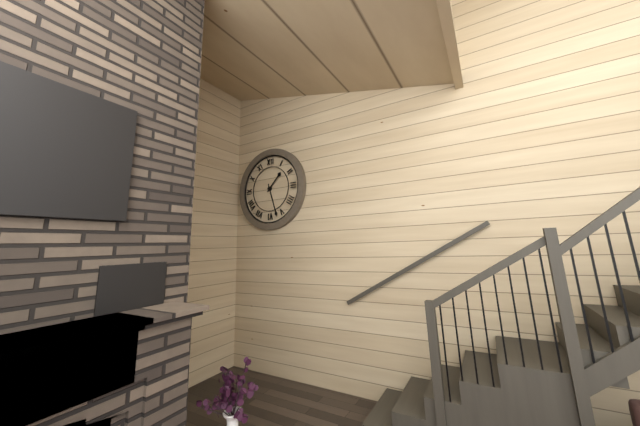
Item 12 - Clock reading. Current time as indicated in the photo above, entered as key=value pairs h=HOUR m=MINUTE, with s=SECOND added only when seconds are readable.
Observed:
h=1 m=27
